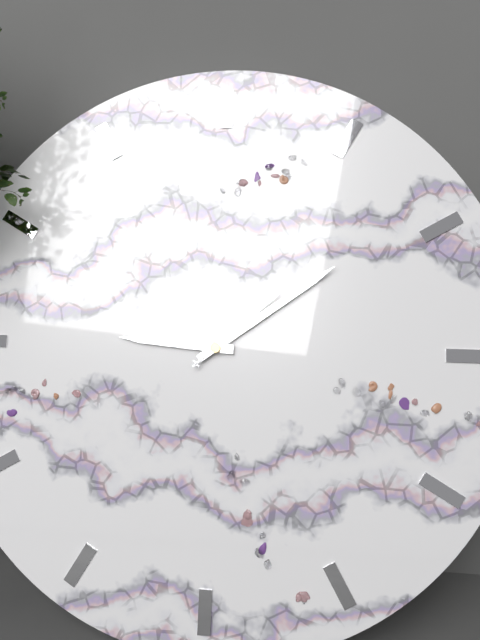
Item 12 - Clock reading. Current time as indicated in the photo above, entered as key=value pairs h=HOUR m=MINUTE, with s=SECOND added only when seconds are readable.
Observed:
h=9 m=9 s=8
